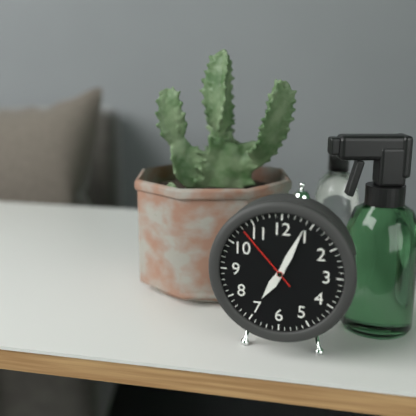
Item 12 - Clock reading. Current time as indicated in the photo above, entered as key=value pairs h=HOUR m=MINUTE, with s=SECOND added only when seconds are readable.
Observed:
h=7 m=4 s=53
